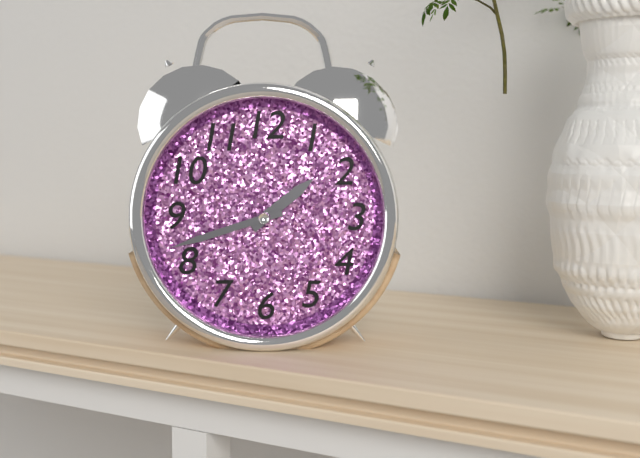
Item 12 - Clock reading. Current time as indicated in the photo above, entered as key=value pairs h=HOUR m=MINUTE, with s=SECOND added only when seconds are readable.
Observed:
h=1 m=42
